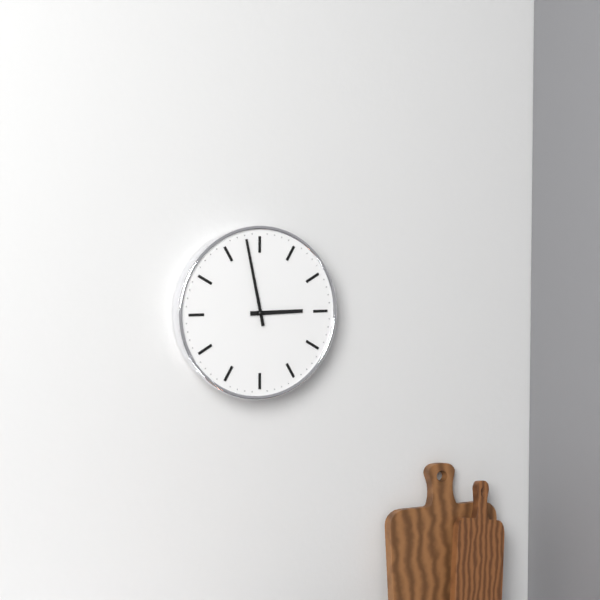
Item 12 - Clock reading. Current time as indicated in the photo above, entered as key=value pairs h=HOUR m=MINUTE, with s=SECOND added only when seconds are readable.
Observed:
h=2 m=58
